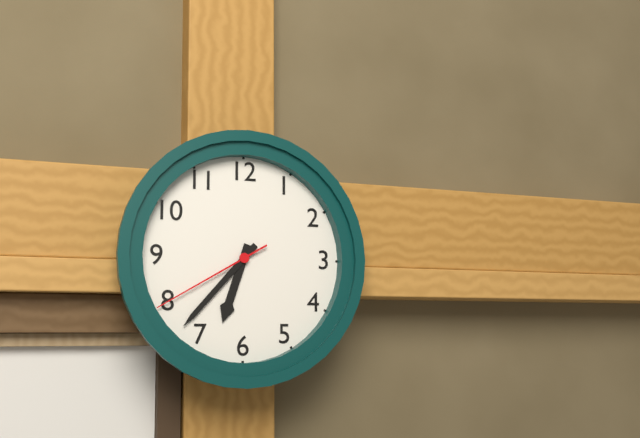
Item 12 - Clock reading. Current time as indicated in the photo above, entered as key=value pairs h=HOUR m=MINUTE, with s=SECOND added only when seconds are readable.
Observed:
h=6 m=37 s=40
